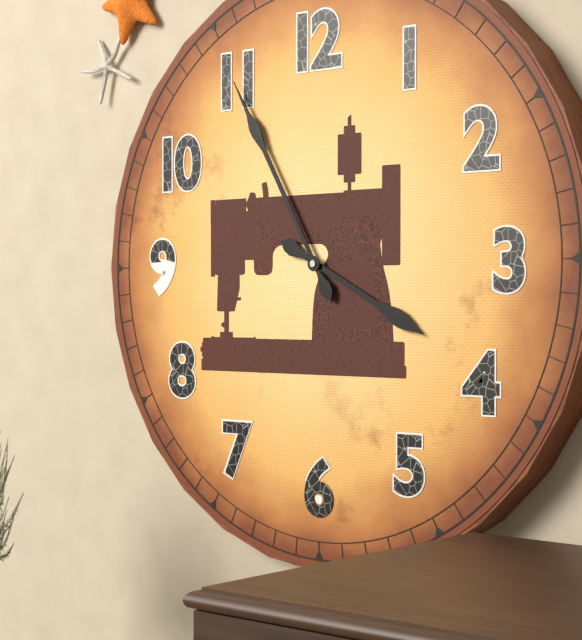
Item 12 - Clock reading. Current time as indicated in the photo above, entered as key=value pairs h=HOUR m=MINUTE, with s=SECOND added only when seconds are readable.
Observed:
h=3 m=55
